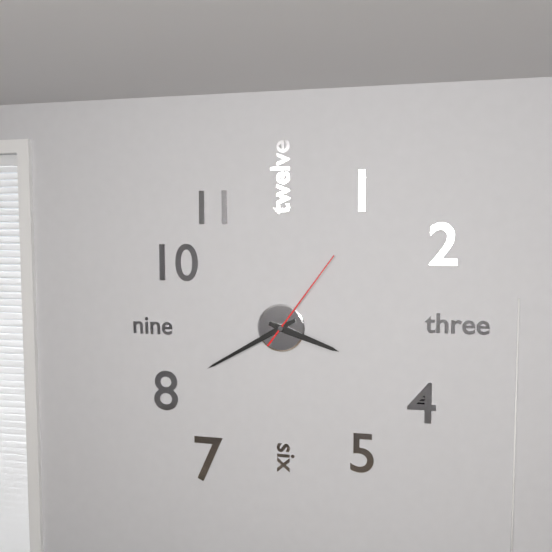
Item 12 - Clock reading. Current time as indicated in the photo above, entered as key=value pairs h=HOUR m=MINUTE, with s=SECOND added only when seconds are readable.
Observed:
h=3 m=40 s=6
